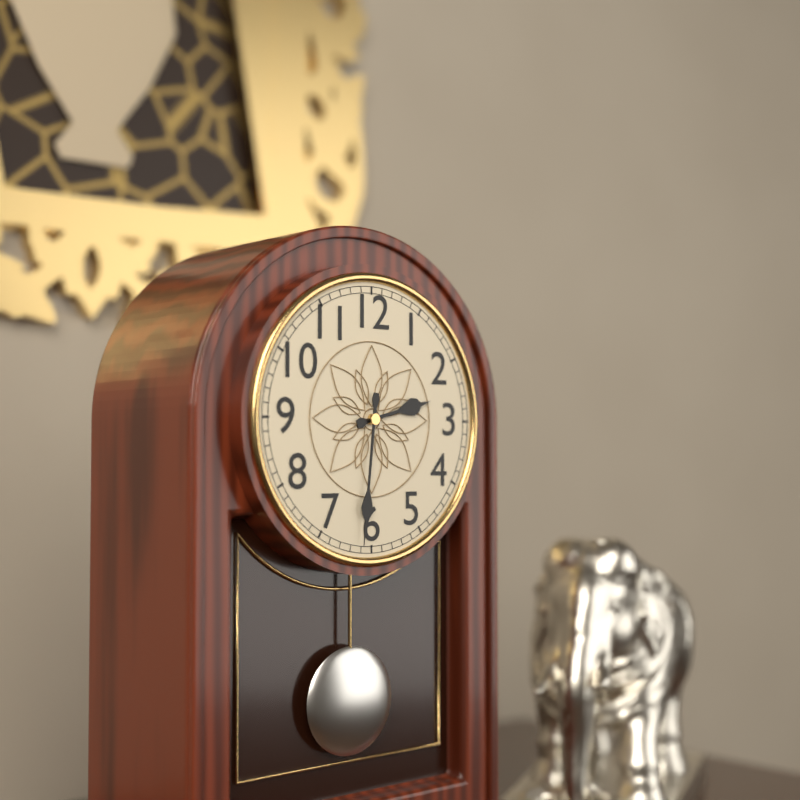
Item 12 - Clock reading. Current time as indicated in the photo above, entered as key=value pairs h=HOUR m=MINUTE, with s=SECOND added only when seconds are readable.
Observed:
h=2 m=31
